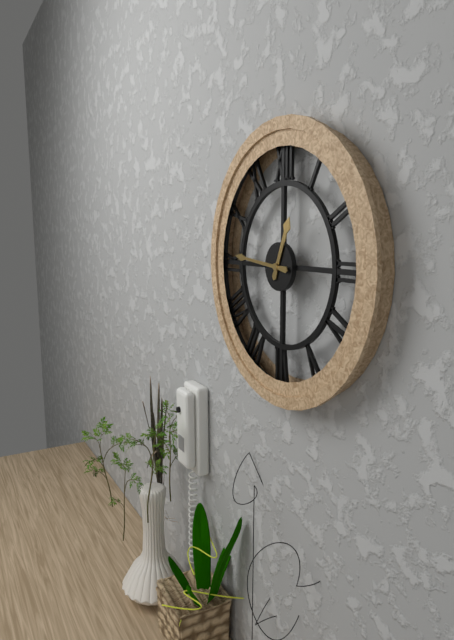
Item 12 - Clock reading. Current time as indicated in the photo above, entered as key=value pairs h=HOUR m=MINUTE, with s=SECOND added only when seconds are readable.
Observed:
h=12 m=46
